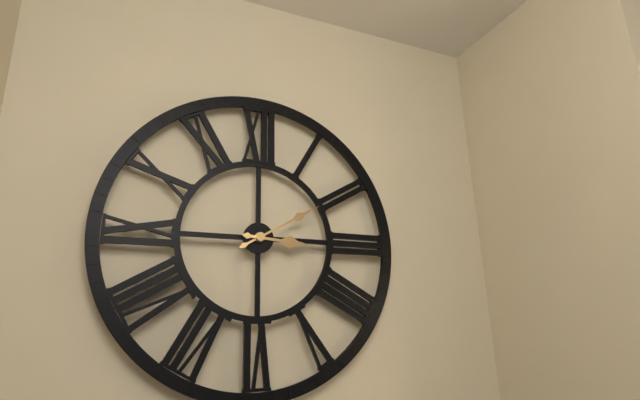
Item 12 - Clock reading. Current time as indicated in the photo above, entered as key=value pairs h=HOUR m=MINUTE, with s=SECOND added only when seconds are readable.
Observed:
h=3 m=10
